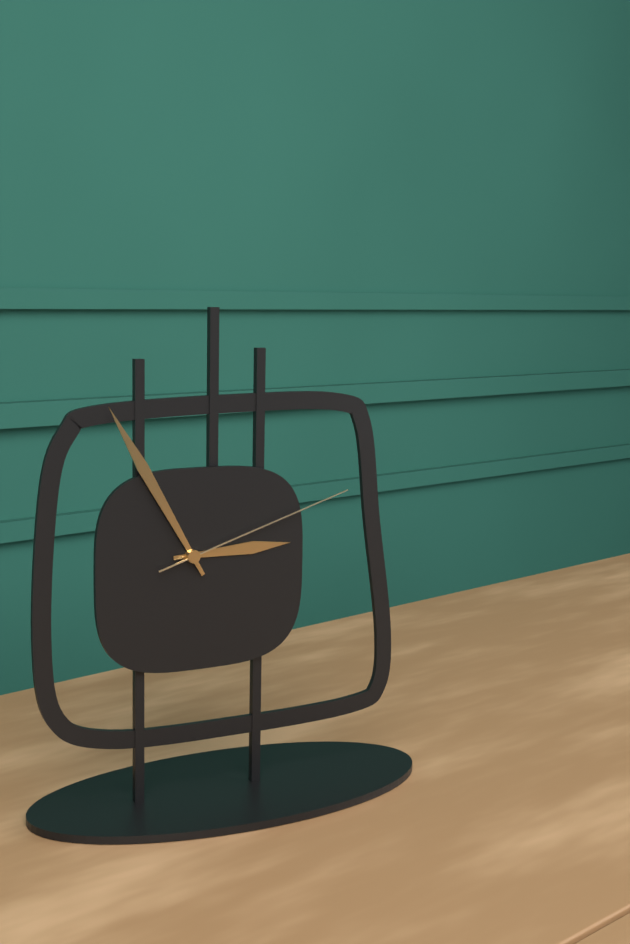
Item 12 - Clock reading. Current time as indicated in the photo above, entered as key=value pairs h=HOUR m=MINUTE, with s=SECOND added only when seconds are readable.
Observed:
h=2 m=55 s=12
